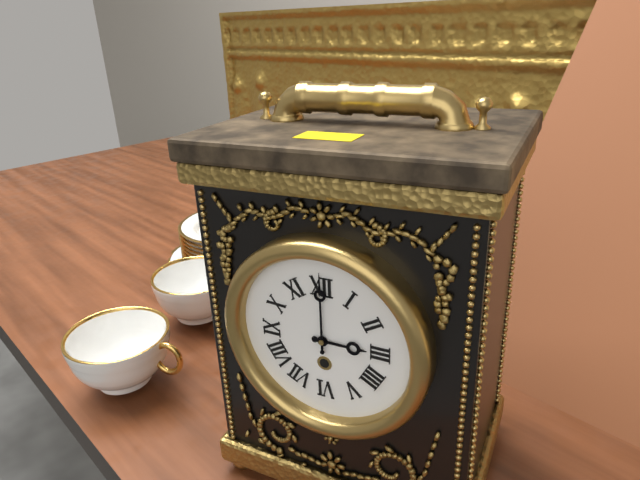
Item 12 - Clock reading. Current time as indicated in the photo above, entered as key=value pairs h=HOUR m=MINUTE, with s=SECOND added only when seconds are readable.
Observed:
h=3 m=0
